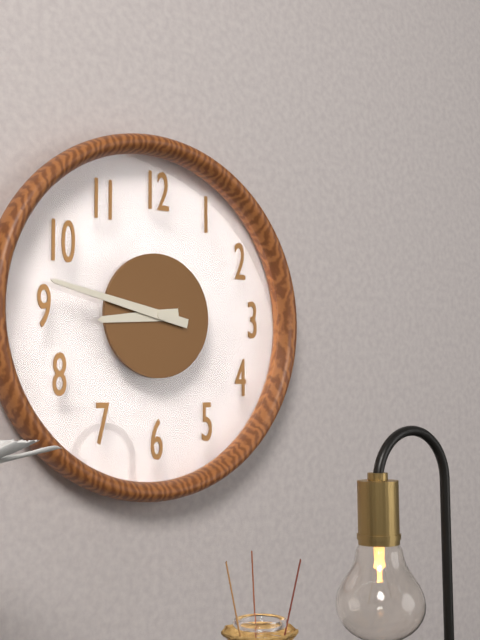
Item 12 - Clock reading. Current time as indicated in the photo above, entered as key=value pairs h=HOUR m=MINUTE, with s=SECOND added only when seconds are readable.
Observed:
h=8 m=47
